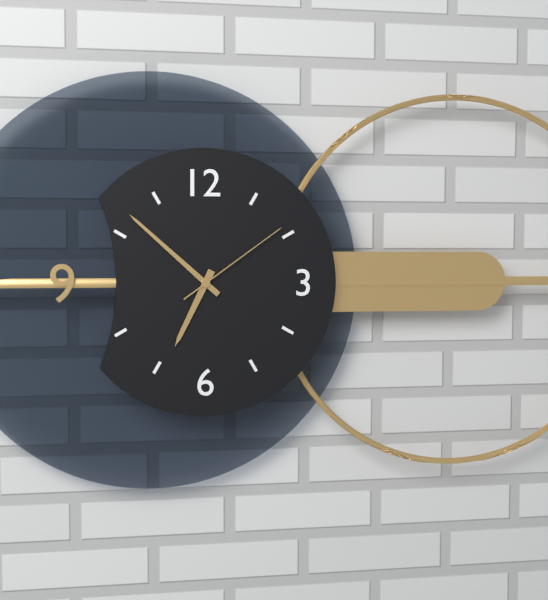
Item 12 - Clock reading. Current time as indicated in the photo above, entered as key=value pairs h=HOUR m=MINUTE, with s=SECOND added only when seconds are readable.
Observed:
h=6 m=52 s=9
